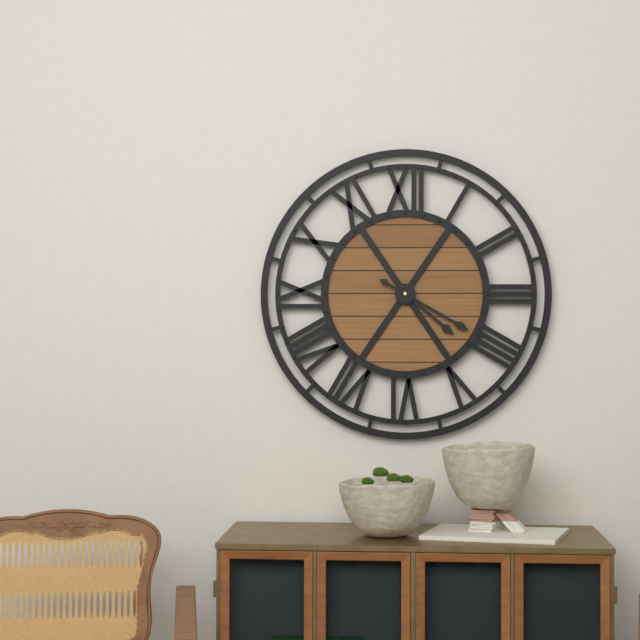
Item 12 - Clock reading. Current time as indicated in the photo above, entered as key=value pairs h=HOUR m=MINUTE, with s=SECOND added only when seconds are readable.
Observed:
h=4 m=20
